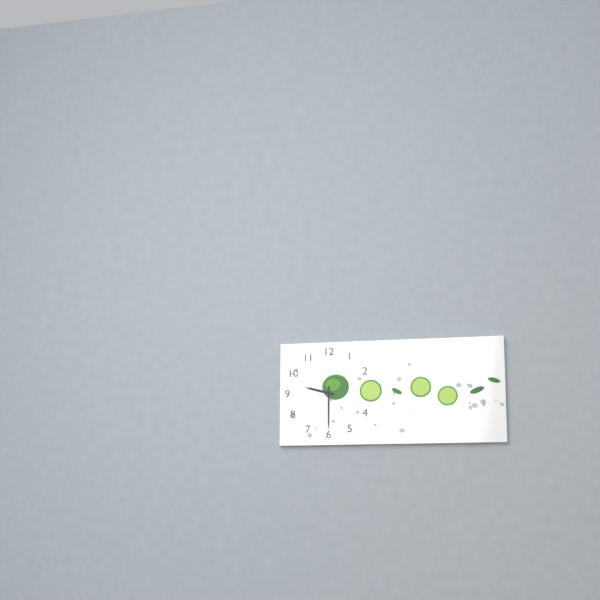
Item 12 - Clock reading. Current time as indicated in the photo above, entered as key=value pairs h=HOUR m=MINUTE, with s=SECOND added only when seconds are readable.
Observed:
h=9 m=30
